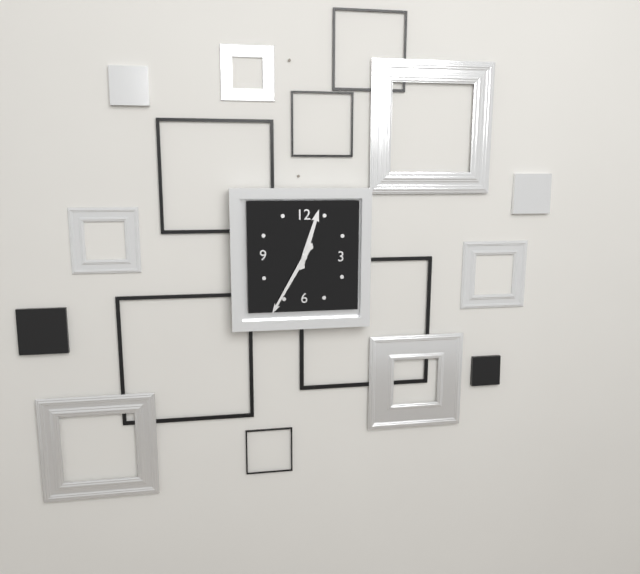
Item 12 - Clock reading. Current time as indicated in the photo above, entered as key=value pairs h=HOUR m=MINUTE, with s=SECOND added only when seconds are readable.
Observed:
h=12 m=35
